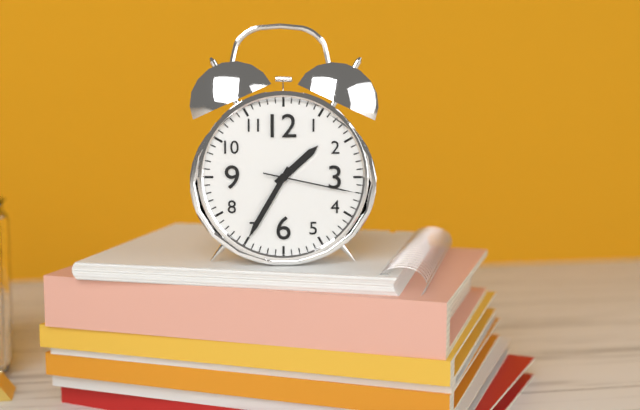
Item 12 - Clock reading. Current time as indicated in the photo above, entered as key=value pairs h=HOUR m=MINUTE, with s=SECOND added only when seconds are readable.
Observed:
h=1 m=35 s=17
